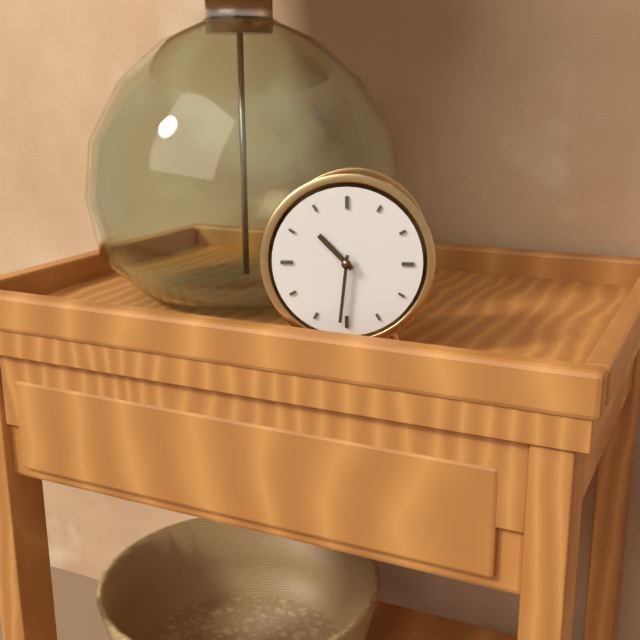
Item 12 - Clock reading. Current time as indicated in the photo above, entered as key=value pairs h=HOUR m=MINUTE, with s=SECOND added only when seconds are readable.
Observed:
h=10 m=31
